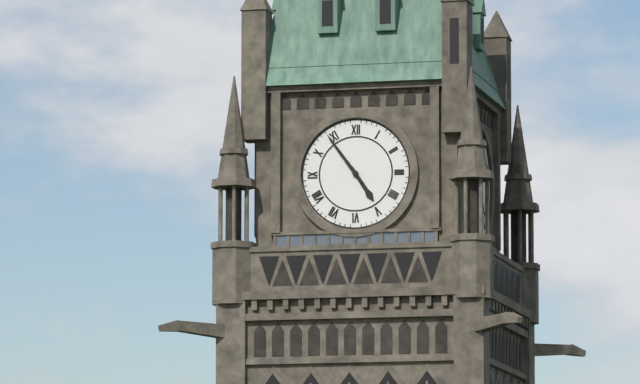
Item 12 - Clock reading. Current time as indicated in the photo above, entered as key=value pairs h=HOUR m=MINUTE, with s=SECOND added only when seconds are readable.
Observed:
h=4 m=54
